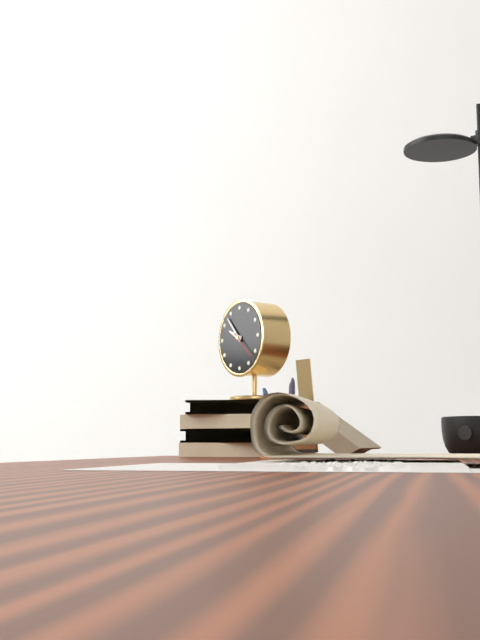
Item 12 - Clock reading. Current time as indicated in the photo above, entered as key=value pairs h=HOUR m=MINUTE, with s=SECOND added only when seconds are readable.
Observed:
h=9 m=53
